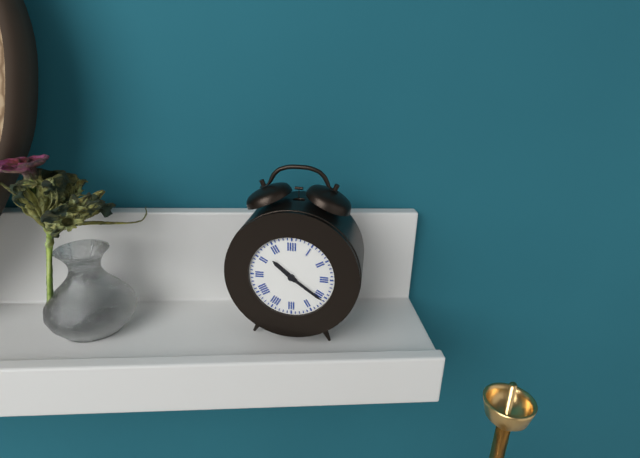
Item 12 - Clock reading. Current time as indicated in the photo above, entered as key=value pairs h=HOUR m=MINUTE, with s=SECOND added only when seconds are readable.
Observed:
h=10 m=21
